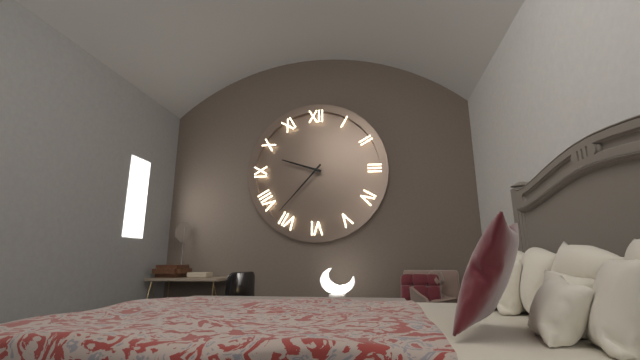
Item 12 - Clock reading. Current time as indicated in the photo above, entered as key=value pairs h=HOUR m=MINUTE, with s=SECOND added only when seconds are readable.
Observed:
h=9 m=37
